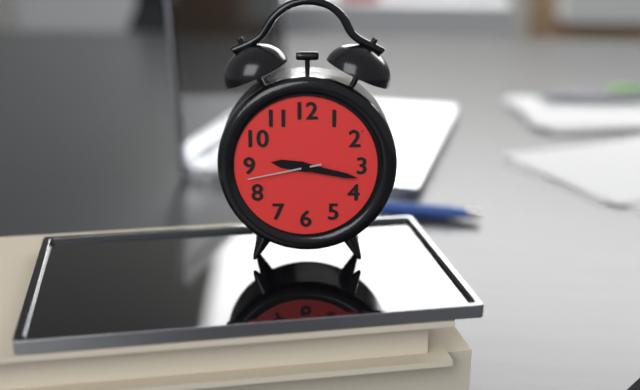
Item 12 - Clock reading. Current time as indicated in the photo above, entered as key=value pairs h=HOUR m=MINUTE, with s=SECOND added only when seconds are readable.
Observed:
h=9 m=17 s=43
